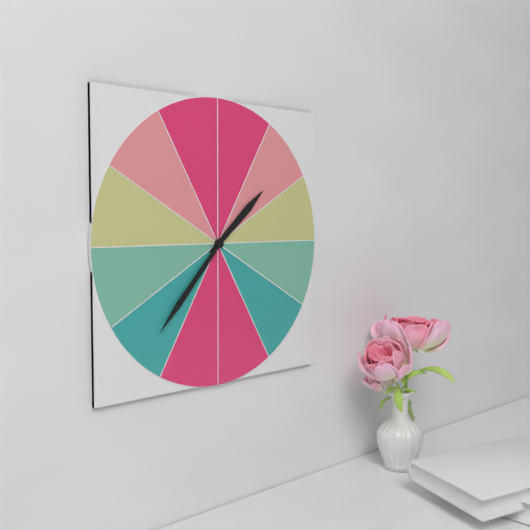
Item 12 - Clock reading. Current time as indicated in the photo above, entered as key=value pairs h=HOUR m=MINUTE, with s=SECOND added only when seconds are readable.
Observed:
h=1 m=37
